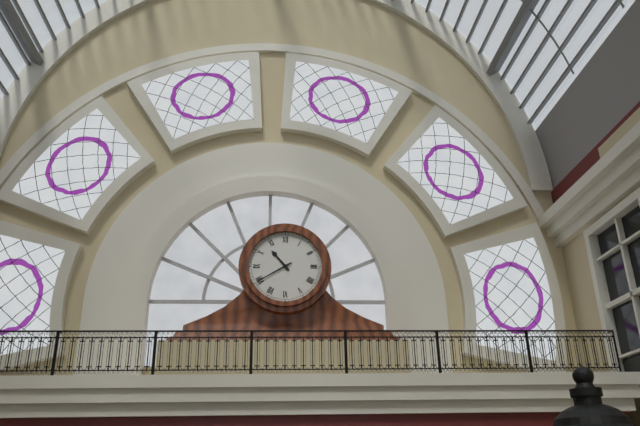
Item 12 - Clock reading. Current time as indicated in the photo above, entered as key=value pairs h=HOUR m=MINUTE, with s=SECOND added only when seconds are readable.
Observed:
h=10 m=40
